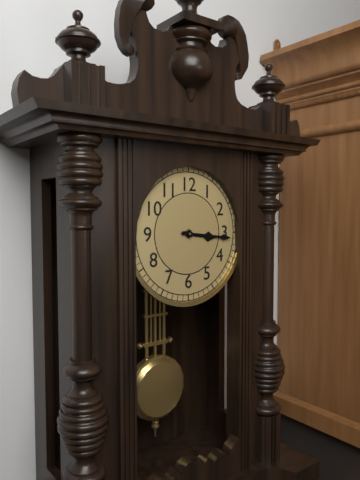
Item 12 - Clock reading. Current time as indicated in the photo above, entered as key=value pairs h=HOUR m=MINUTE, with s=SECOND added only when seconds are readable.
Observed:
h=3 m=16
